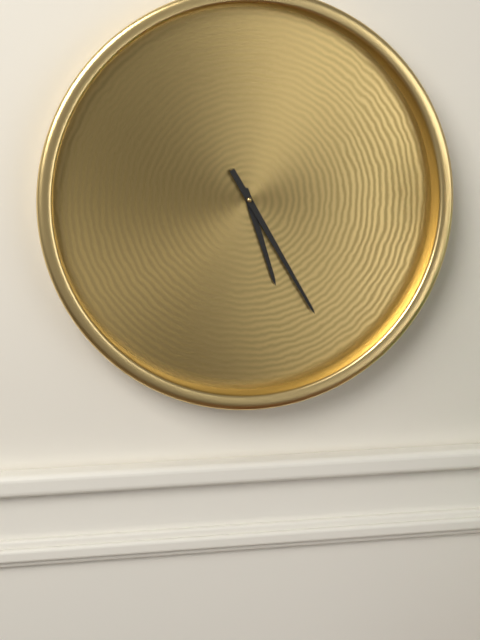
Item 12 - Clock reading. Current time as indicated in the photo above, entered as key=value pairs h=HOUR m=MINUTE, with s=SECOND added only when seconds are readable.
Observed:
h=5 m=25
